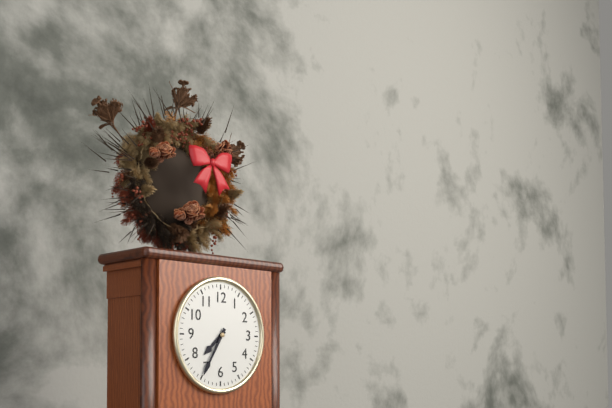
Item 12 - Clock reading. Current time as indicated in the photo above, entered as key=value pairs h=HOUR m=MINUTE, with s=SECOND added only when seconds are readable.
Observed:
h=7 m=35
